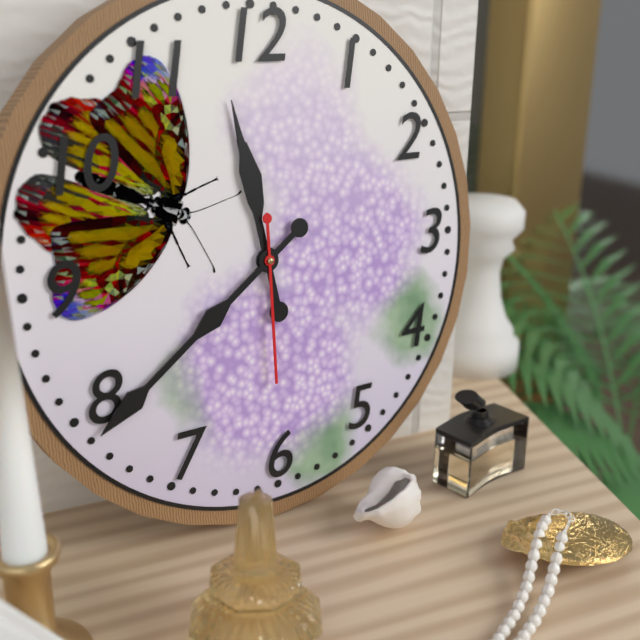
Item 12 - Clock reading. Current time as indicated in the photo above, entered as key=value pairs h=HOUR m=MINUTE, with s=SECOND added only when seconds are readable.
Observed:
h=11 m=39 s=30
